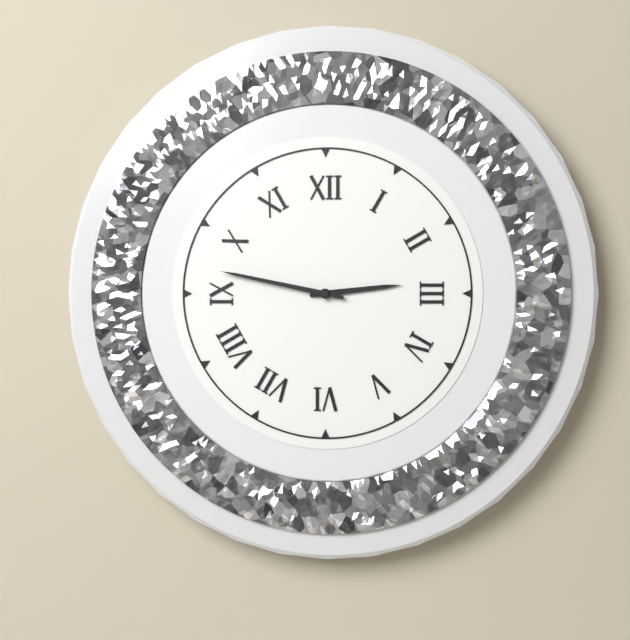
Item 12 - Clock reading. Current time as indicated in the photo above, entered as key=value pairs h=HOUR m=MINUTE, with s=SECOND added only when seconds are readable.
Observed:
h=2 m=47
